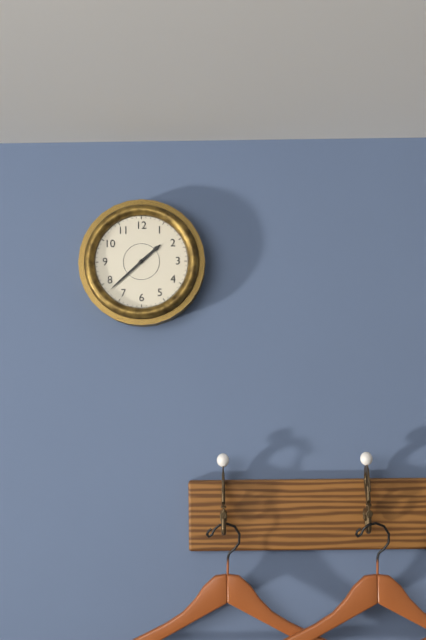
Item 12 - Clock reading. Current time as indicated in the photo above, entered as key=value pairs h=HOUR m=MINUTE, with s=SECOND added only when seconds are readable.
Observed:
h=1 m=38
